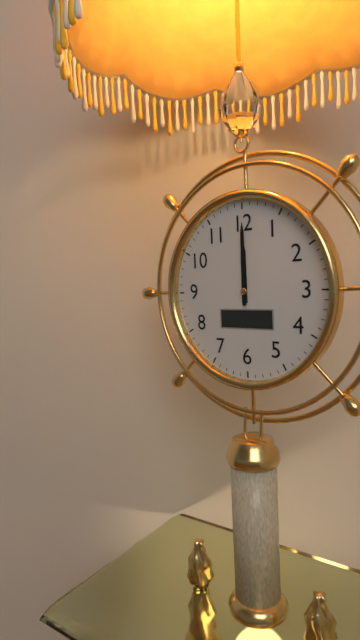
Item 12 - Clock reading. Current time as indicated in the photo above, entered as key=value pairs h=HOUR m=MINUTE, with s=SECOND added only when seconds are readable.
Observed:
h=12 m=0
